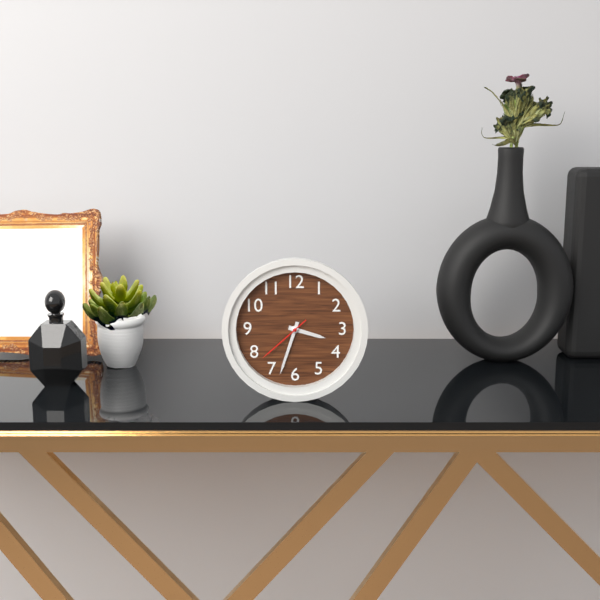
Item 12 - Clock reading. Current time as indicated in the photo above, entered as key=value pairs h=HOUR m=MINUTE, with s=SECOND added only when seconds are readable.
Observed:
h=3 m=33 s=38
